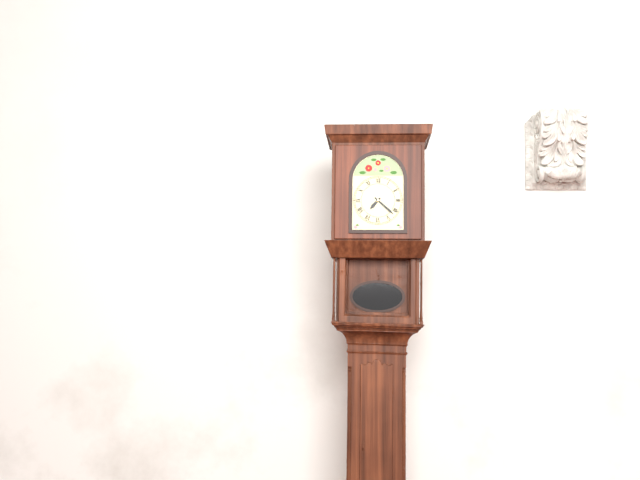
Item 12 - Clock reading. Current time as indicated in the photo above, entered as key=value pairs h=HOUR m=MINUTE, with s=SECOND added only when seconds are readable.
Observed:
h=7 m=22
